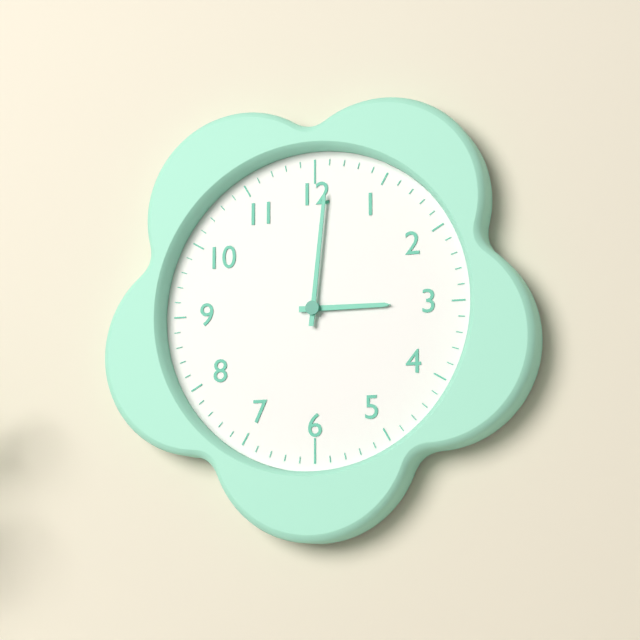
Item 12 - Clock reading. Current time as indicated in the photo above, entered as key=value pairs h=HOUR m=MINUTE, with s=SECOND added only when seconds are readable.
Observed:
h=3 m=1
